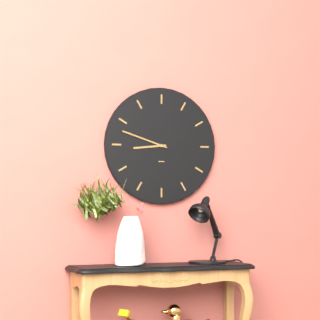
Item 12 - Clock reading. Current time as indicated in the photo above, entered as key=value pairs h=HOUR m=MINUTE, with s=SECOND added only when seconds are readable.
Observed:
h=8 m=48
